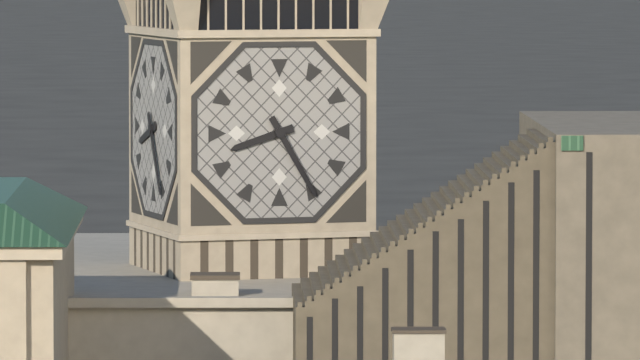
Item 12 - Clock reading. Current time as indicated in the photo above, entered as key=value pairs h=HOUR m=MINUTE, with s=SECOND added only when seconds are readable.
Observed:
h=8 m=25
